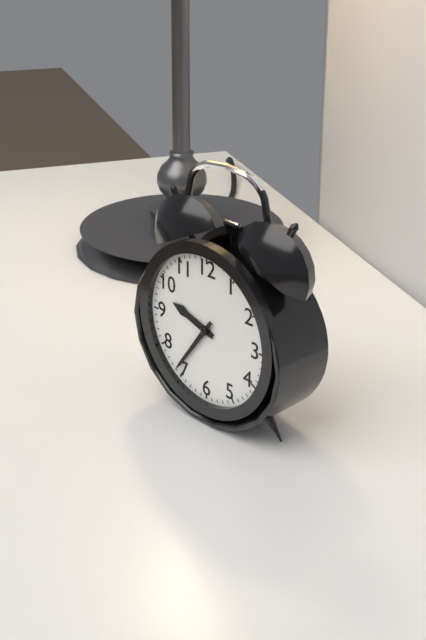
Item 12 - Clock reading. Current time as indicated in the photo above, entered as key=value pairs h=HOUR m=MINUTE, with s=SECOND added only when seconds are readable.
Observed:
h=9 m=36
